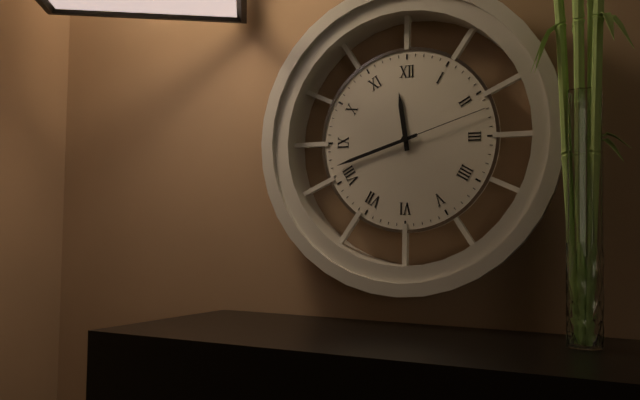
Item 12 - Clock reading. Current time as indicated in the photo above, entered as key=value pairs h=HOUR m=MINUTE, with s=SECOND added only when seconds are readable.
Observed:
h=11 m=42 s=12
